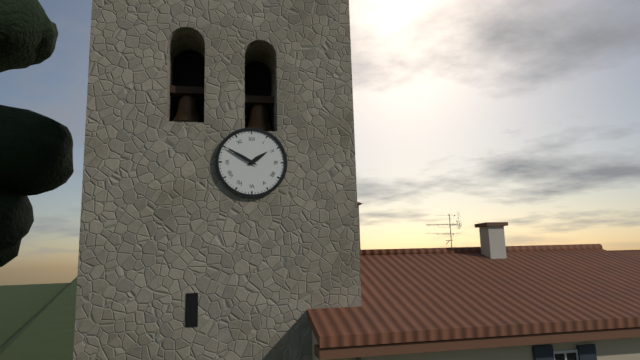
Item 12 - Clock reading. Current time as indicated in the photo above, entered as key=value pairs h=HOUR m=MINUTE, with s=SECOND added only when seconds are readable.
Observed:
h=1 m=50
